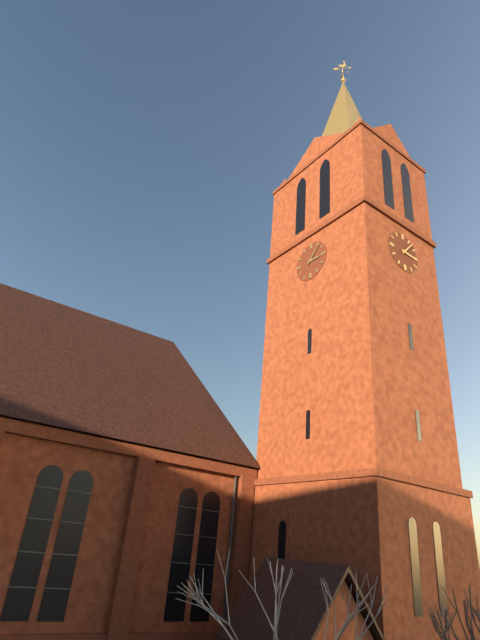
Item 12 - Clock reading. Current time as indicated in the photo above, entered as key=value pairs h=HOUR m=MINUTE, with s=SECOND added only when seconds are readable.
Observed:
h=3 m=7
